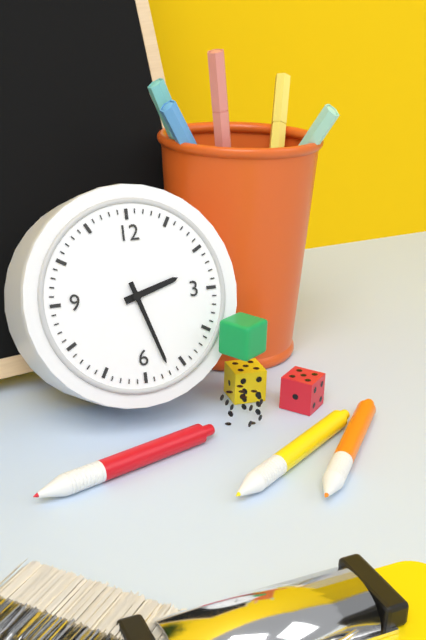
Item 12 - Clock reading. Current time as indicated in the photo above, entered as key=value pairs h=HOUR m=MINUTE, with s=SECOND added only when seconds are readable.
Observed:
h=2 m=27
